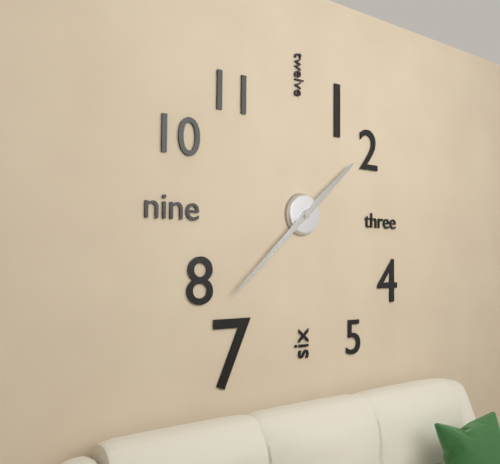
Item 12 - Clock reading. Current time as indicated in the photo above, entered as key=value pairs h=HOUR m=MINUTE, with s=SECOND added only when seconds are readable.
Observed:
h=1 m=38
